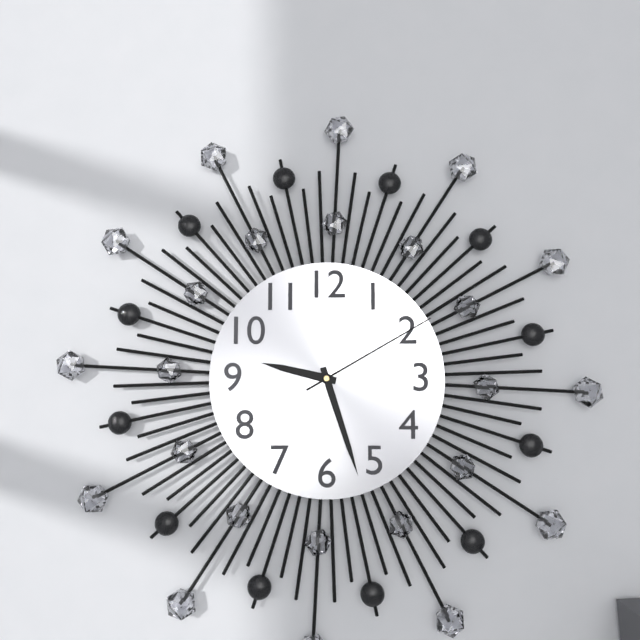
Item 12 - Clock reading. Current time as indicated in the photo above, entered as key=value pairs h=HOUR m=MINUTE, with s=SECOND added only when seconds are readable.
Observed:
h=9 m=27 s=10
